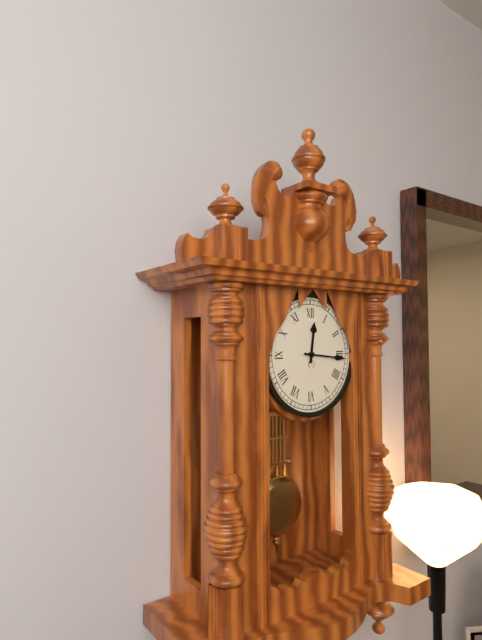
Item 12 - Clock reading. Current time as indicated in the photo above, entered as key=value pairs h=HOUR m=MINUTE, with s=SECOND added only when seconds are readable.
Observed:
h=12 m=16
